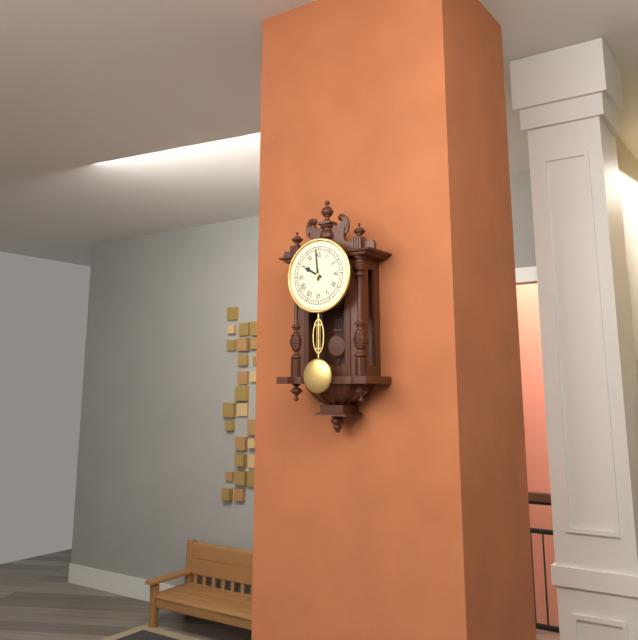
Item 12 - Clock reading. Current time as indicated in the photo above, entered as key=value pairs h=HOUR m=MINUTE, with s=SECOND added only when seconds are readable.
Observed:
h=9 m=59
